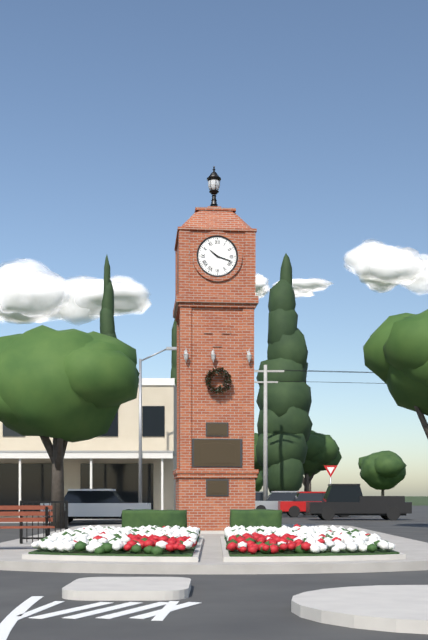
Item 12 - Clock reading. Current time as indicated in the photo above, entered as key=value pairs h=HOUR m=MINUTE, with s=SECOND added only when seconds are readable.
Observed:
h=10 m=18
